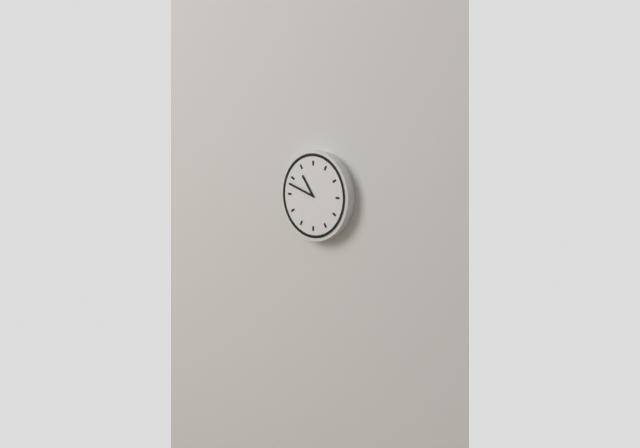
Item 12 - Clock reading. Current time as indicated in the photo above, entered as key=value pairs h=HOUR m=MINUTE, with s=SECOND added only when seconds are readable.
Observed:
h=10 m=48
